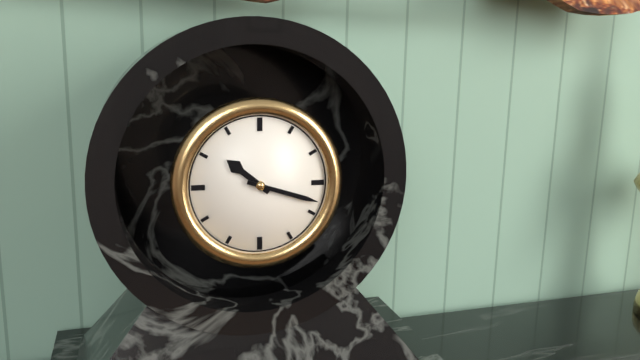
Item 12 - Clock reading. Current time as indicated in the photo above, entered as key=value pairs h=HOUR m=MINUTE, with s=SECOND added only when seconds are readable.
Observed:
h=10 m=18
